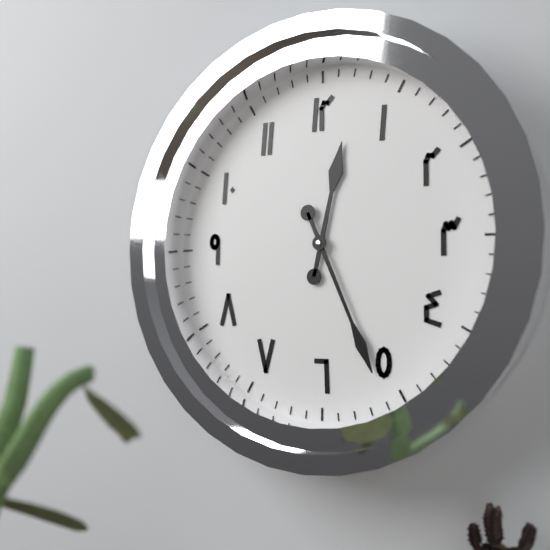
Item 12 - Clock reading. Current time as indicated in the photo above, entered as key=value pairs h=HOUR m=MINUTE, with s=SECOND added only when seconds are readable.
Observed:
h=12 m=26
